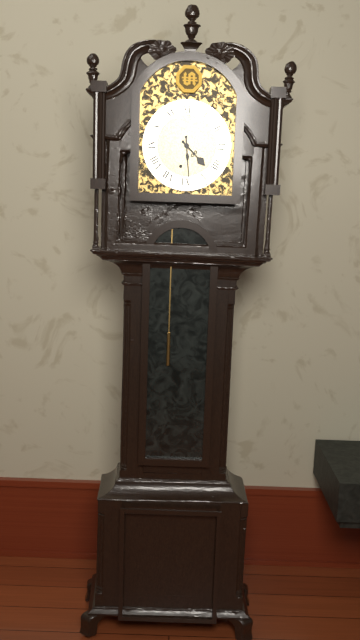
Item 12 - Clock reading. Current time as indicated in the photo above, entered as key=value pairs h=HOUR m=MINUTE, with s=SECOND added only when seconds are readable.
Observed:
h=4 m=29
